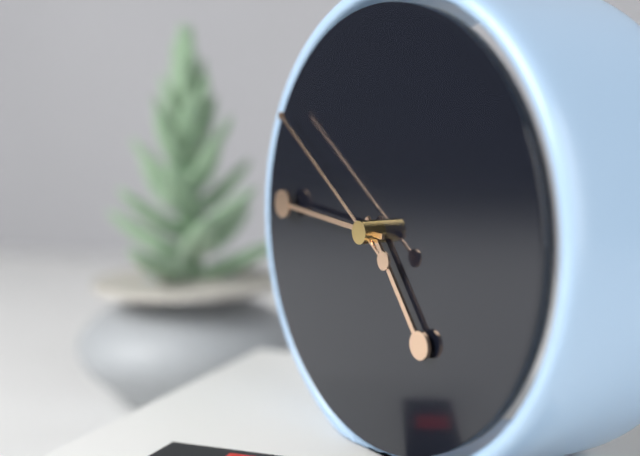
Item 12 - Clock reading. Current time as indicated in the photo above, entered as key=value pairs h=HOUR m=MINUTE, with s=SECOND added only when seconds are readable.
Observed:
h=4 m=46 s=51
